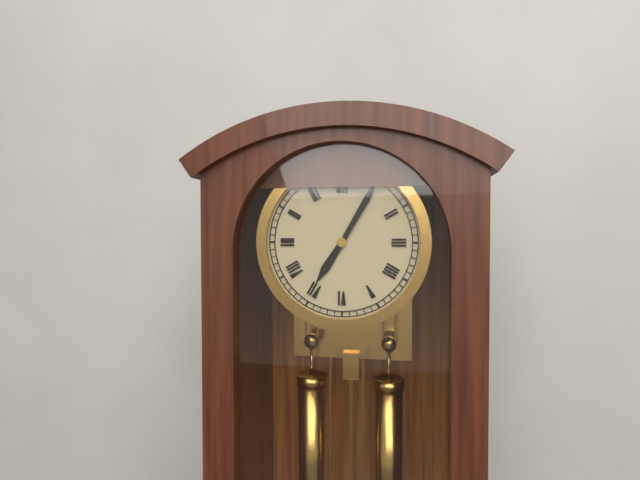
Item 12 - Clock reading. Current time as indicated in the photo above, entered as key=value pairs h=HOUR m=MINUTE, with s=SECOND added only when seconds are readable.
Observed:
h=7 m=5
